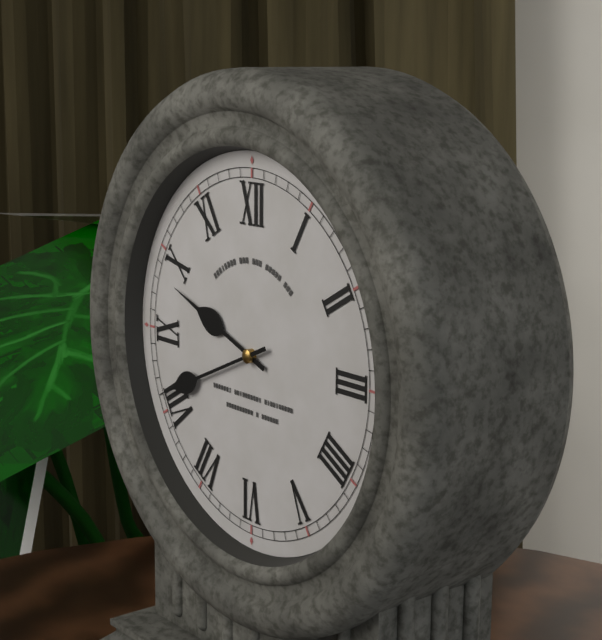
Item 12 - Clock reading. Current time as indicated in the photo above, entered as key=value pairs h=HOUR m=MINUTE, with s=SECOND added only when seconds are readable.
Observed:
h=9 m=41
